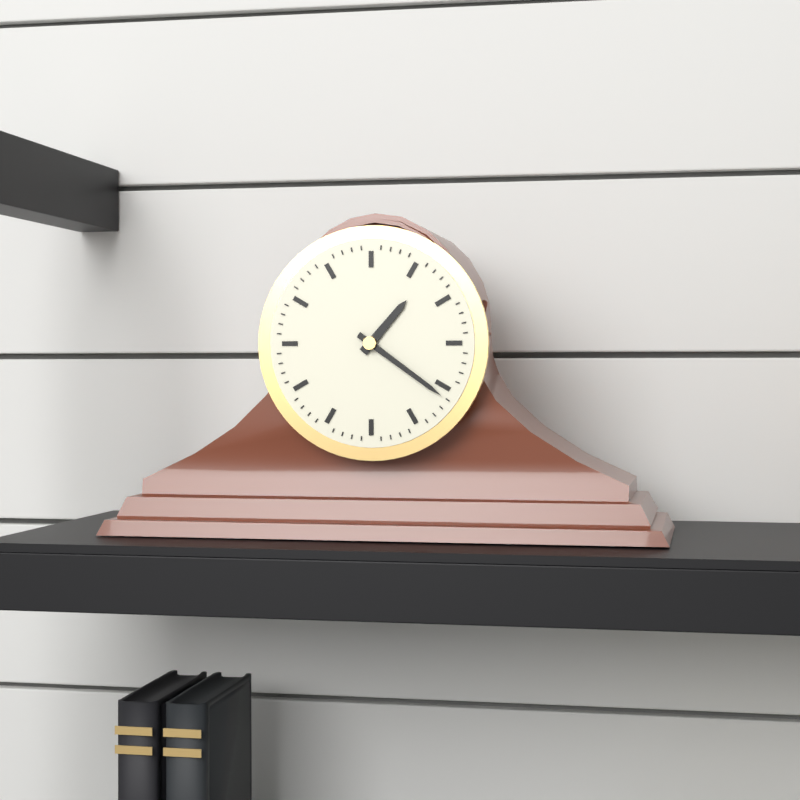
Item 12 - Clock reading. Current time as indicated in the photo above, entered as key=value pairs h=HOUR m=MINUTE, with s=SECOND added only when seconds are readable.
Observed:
h=1 m=21
